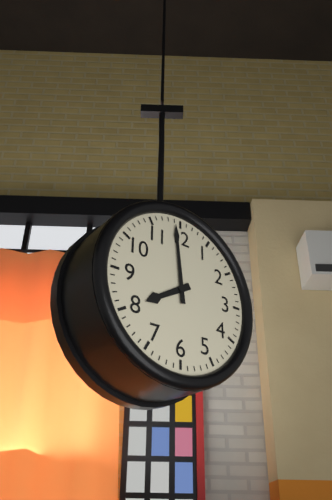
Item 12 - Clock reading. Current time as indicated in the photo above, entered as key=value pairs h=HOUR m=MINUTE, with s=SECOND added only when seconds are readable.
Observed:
h=7 m=59
